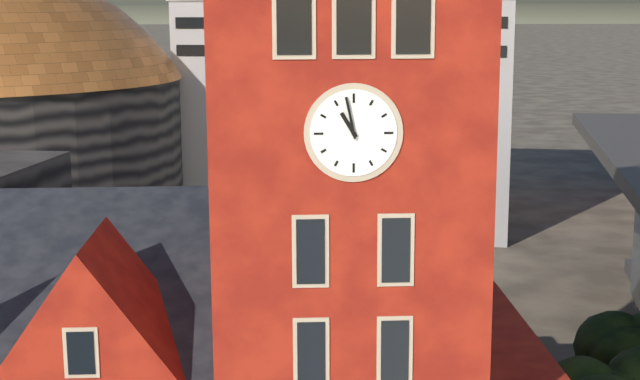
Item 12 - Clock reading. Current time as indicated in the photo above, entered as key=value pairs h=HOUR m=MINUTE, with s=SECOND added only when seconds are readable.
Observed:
h=10 m=58
